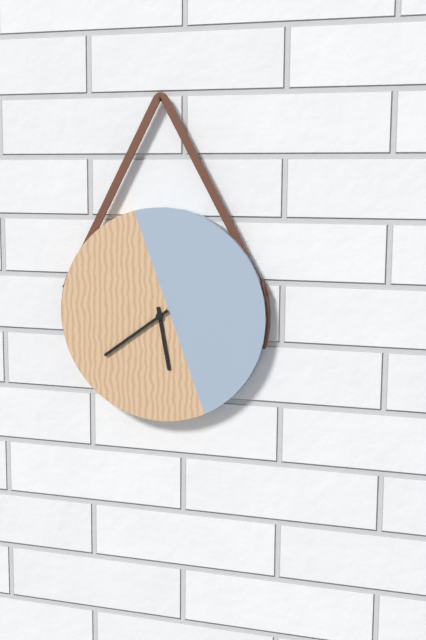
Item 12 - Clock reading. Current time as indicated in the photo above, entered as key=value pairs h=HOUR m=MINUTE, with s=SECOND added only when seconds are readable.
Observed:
h=5 m=39
